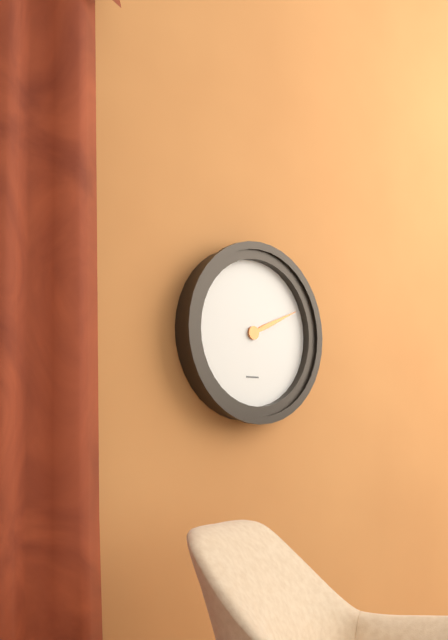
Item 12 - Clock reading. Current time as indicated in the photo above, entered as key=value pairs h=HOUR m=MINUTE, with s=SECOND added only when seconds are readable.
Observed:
h=2 m=11
